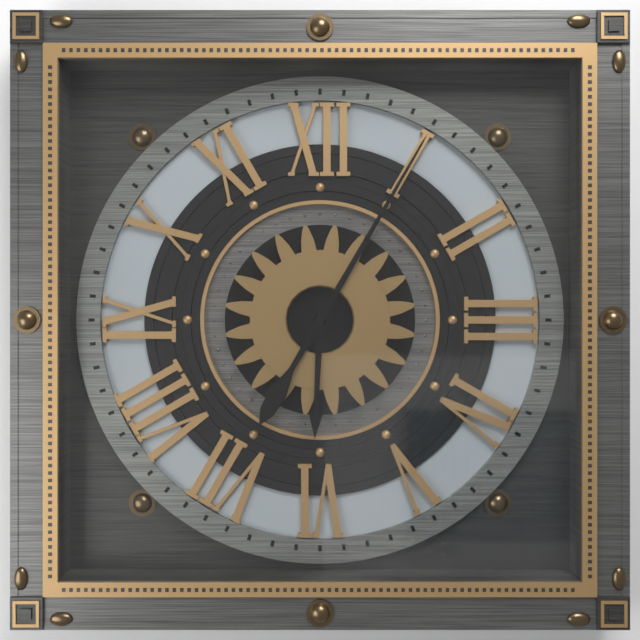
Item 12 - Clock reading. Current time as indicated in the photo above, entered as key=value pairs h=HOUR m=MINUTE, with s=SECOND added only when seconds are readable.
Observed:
h=6 m=5
